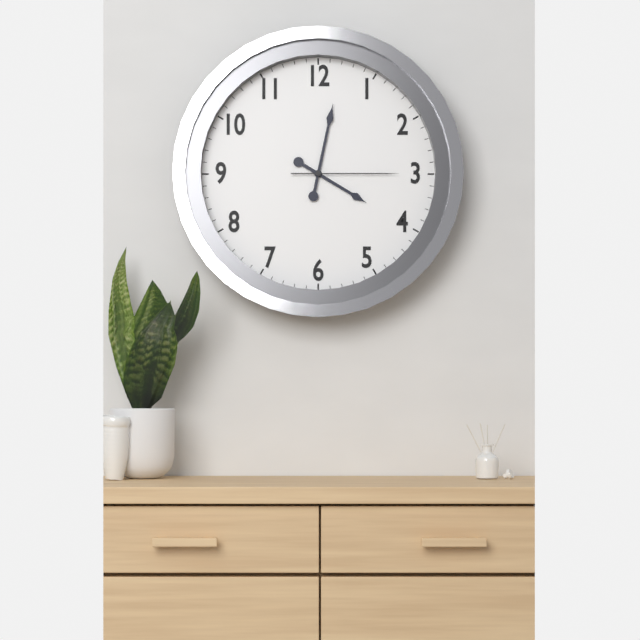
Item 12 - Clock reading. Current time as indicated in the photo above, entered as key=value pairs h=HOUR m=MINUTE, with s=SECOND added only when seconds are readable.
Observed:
h=4 m=2 s=15
